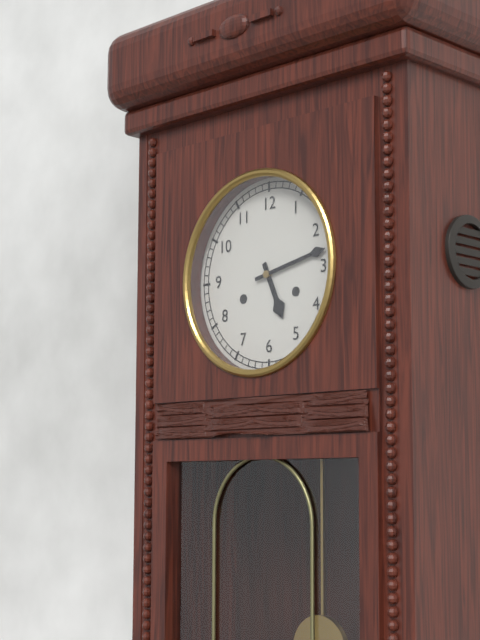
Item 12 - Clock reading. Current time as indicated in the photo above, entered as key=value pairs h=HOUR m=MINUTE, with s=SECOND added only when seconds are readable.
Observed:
h=5 m=13
